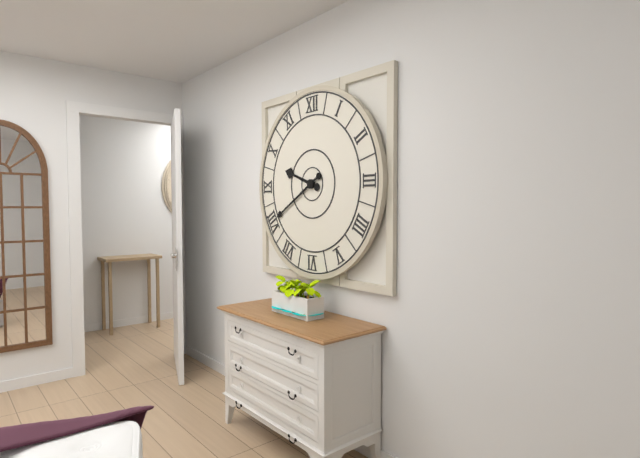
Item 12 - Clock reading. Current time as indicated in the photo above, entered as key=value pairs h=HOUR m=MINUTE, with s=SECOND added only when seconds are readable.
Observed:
h=9 m=40
